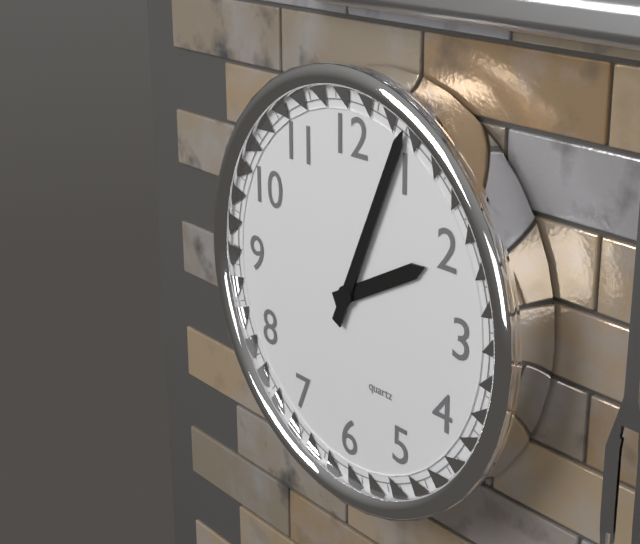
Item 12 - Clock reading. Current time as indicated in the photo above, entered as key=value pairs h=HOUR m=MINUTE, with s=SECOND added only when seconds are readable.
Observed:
h=2 m=4
